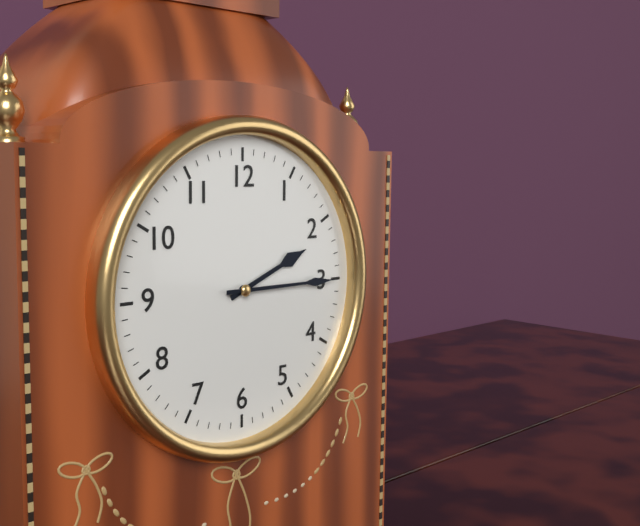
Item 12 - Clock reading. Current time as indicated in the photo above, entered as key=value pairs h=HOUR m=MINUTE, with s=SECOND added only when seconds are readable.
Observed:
h=2 m=15
